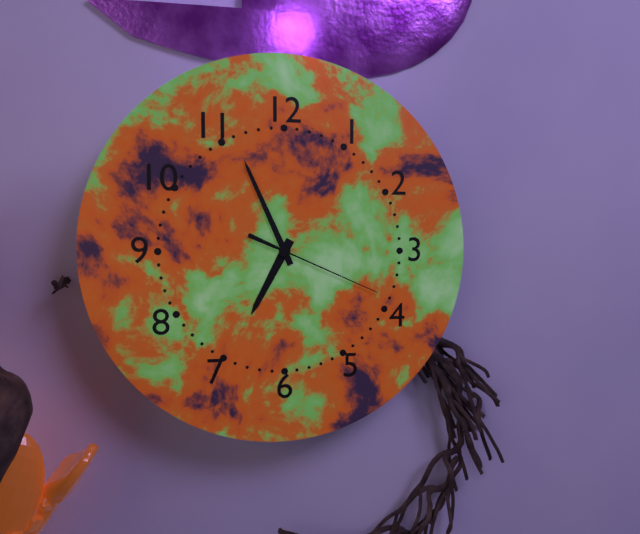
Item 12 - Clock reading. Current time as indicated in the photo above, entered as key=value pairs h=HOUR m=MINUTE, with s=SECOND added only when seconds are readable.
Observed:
h=6 m=56 s=19
